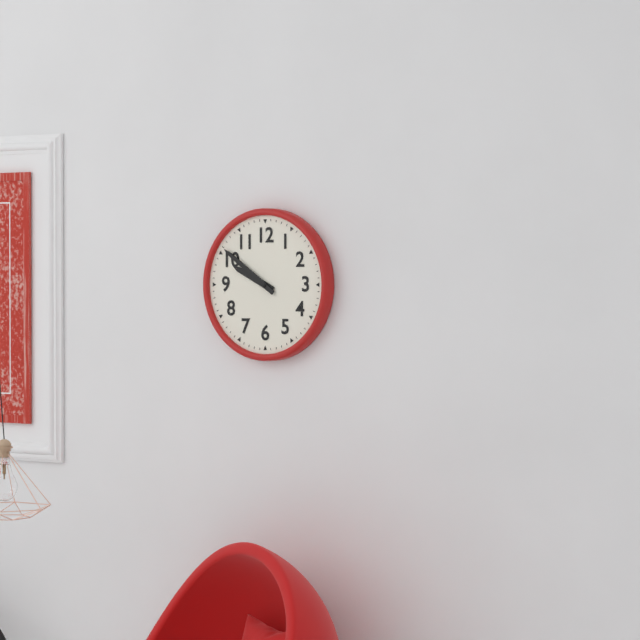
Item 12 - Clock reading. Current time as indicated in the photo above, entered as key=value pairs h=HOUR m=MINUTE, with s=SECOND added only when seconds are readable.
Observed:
h=9 m=51
